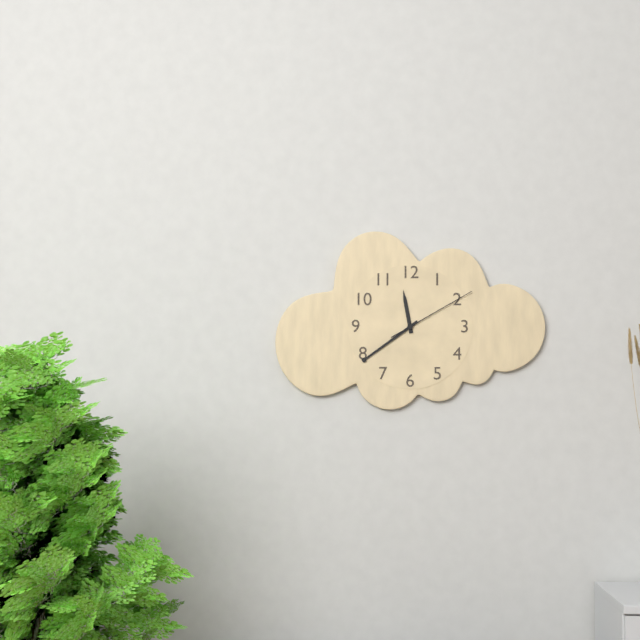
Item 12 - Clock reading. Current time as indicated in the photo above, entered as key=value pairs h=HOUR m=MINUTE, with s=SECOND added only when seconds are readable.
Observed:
h=11 m=39 s=10
